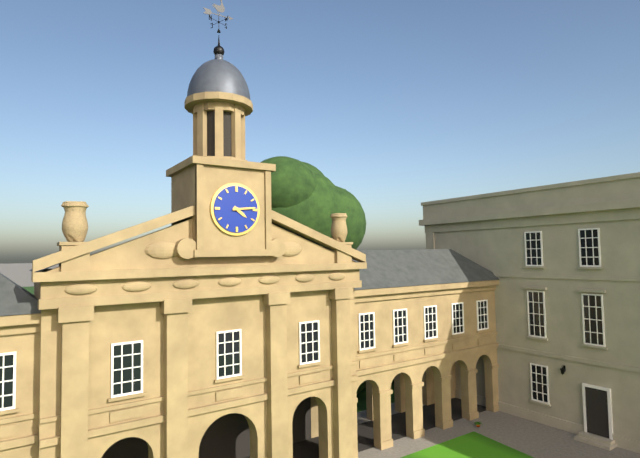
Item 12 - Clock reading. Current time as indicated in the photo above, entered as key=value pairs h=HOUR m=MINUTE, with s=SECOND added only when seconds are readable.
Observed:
h=4 m=14
